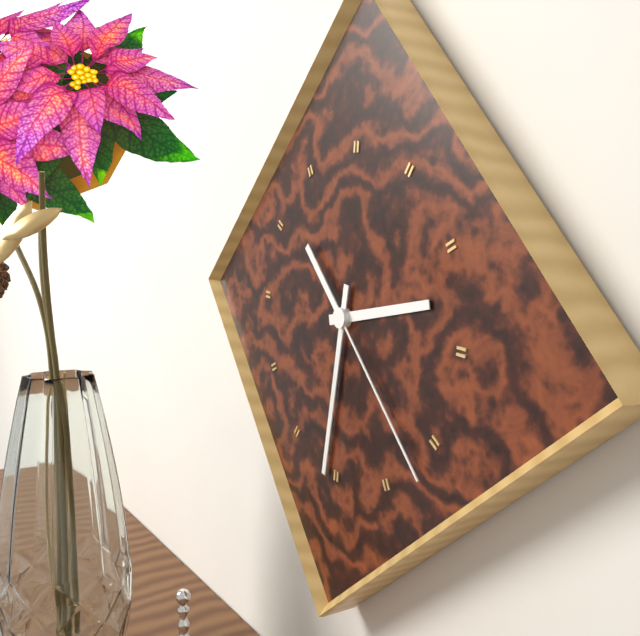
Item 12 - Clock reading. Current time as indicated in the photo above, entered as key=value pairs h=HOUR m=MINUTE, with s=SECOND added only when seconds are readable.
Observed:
h=2 m=31 s=22
